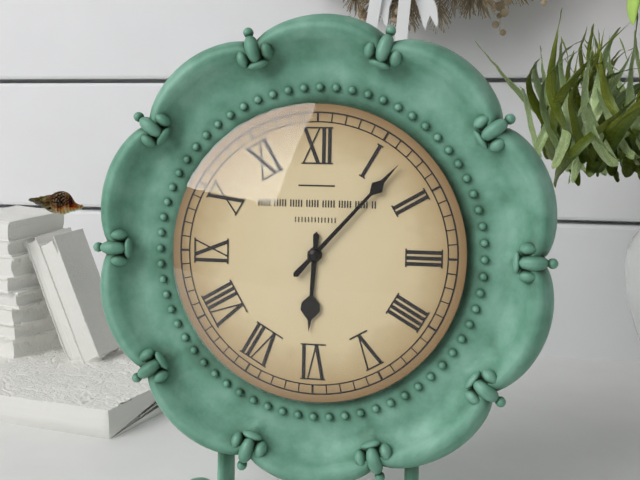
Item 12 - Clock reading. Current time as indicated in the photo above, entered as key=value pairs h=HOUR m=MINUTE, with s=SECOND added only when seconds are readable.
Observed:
h=6 m=7
